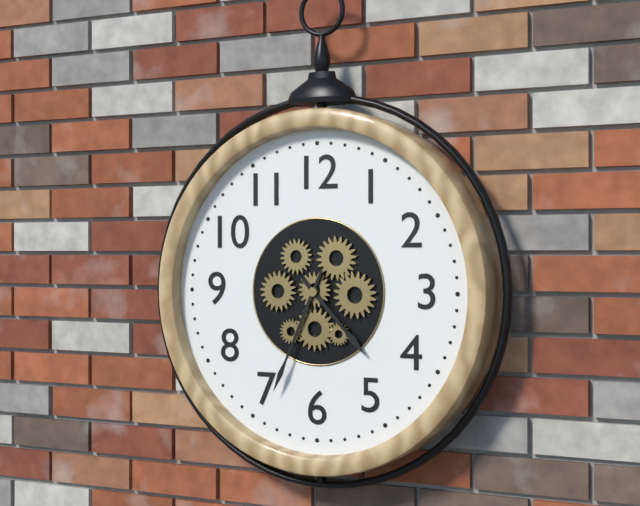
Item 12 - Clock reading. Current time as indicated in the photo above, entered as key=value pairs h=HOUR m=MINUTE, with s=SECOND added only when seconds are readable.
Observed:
h=4 m=34
